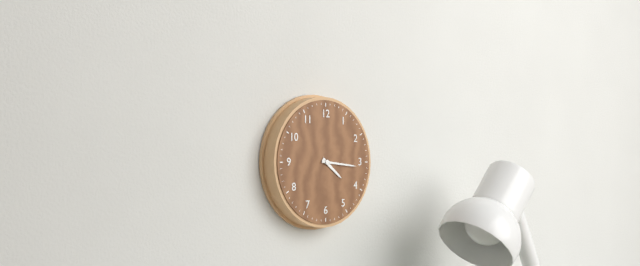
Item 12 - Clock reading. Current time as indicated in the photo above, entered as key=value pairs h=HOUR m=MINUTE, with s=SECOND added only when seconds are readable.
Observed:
h=4 m=16
